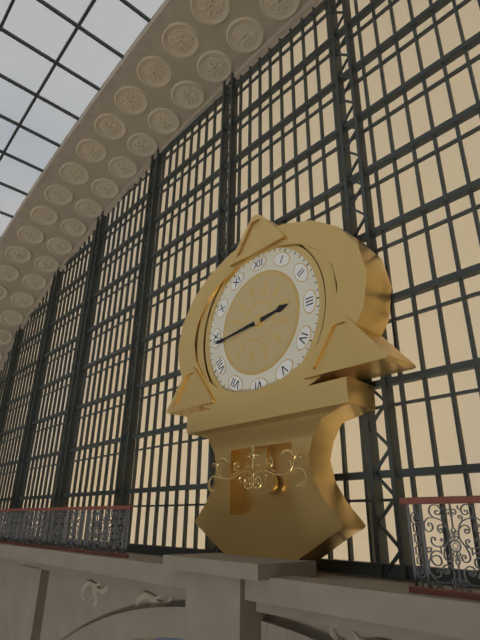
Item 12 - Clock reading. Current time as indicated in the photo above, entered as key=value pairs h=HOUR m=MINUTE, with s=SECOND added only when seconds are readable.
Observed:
h=2 m=44
